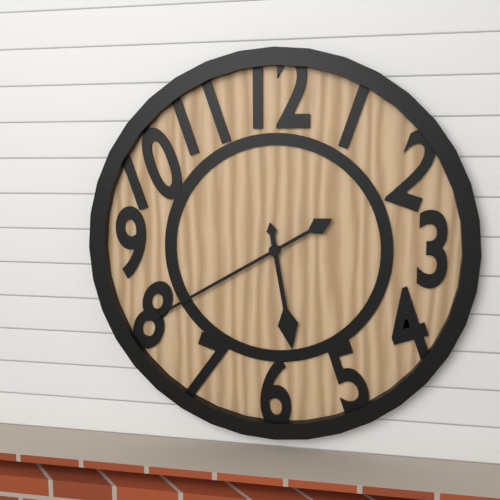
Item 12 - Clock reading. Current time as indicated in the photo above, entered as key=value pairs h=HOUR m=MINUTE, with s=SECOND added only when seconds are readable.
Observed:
h=5 m=40
